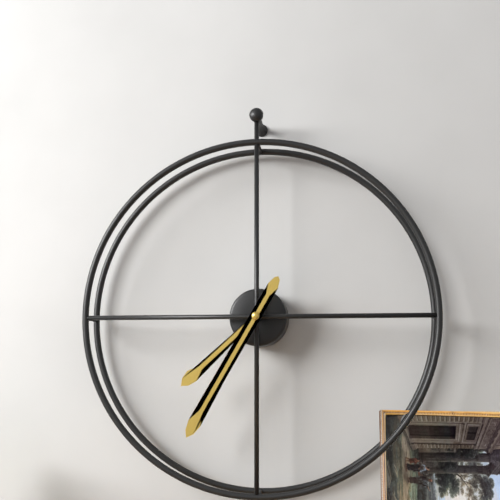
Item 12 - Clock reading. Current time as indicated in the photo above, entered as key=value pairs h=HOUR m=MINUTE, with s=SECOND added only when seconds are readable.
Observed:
h=7 m=35
